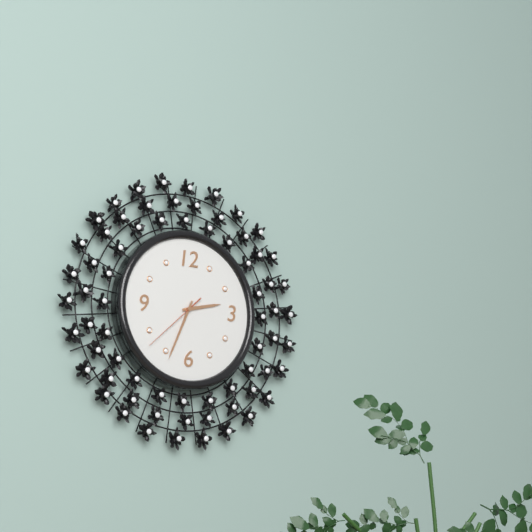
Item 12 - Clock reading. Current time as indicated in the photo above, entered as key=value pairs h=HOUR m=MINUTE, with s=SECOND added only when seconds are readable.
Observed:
h=2 m=34 s=38
